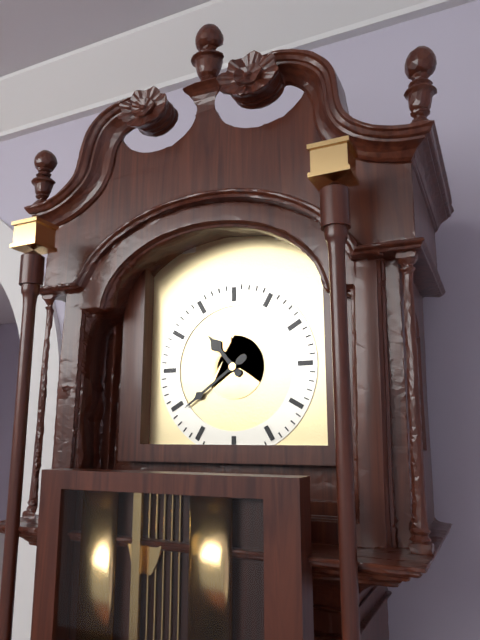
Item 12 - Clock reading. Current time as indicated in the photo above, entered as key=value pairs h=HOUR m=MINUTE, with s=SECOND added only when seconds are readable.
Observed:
h=10 m=39
